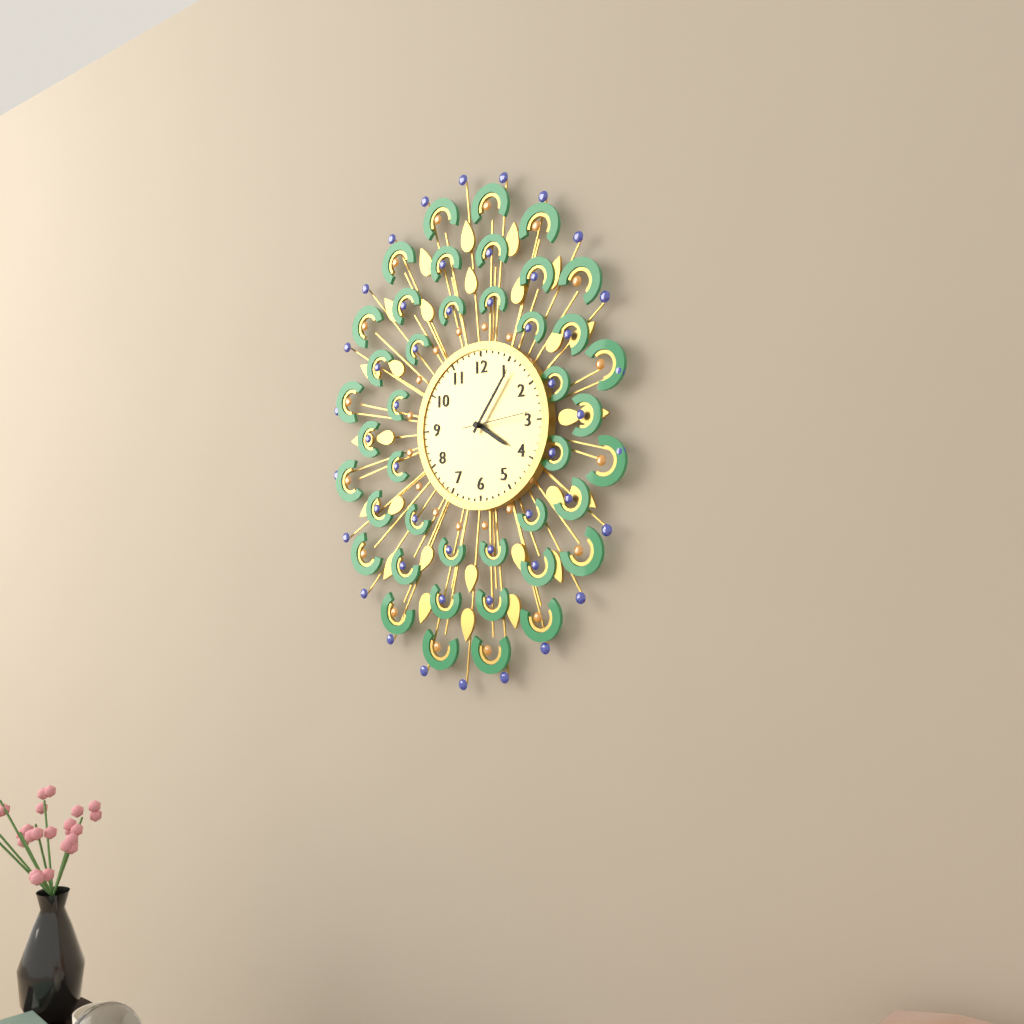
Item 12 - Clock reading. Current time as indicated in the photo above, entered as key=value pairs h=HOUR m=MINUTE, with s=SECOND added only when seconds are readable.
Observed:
h=4 m=6 s=14
